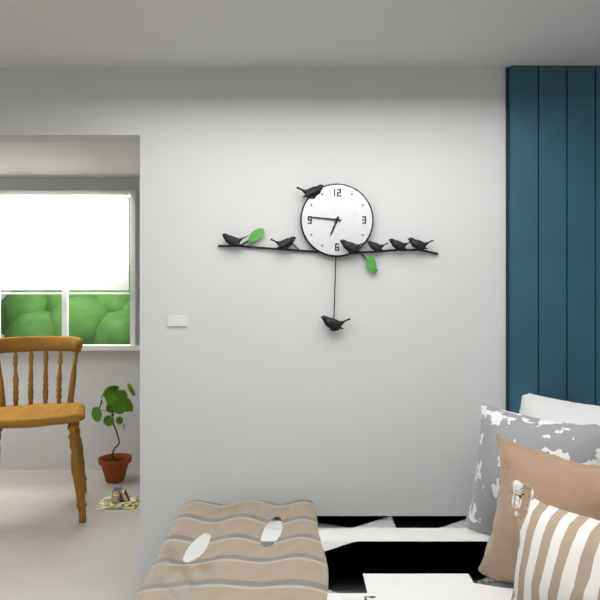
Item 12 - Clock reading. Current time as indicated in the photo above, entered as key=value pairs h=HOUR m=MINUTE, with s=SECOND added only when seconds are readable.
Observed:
h=6 m=46
